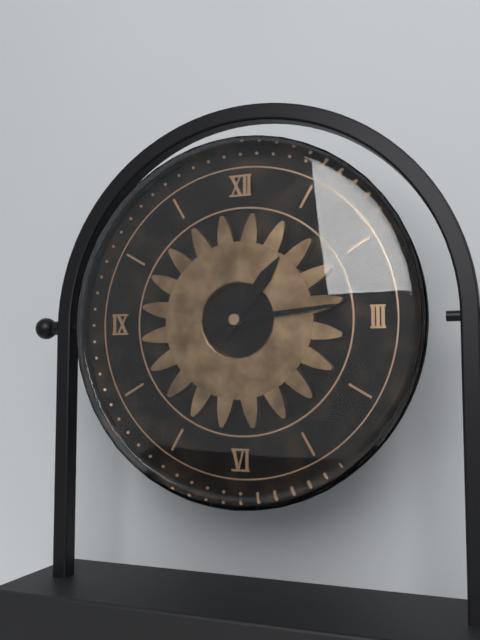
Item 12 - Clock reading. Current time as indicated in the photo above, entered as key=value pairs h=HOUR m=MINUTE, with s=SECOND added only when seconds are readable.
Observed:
h=1 m=14
